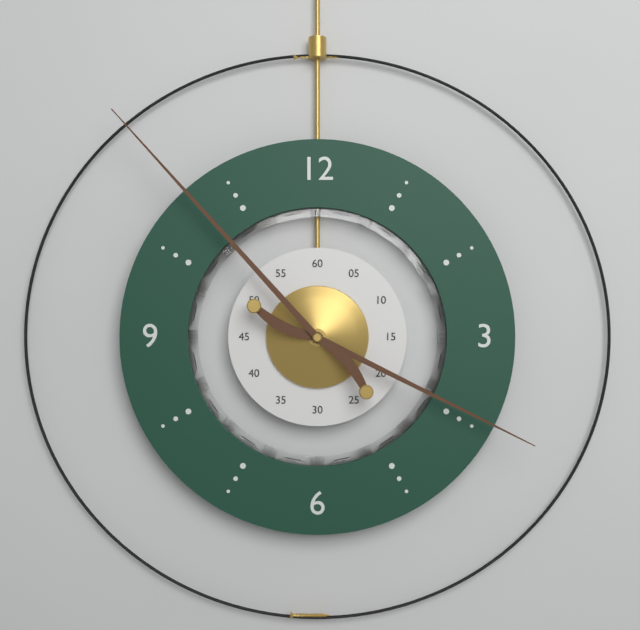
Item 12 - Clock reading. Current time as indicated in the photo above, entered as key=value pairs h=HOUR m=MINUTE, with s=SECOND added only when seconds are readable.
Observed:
h=3 m=53
